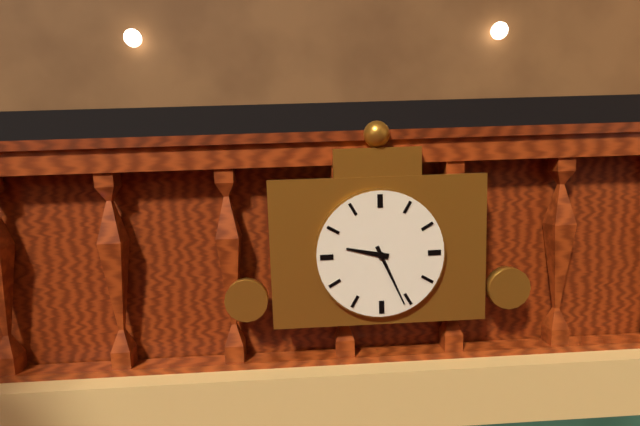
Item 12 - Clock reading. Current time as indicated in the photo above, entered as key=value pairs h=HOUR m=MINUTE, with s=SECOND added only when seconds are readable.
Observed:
h=9 m=26
